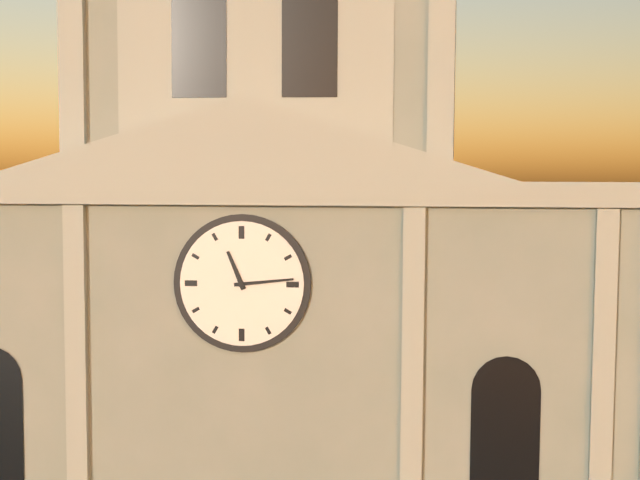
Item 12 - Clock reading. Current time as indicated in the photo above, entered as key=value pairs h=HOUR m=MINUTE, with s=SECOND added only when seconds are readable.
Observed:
h=11 m=14
